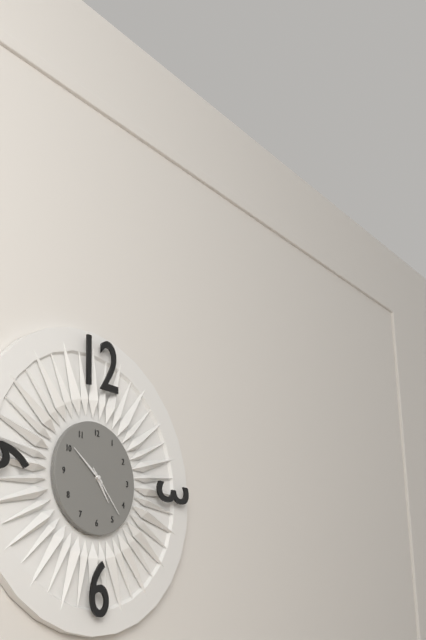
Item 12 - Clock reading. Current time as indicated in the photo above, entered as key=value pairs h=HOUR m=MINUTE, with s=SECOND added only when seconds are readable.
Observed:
h=4 m=51 s=23
